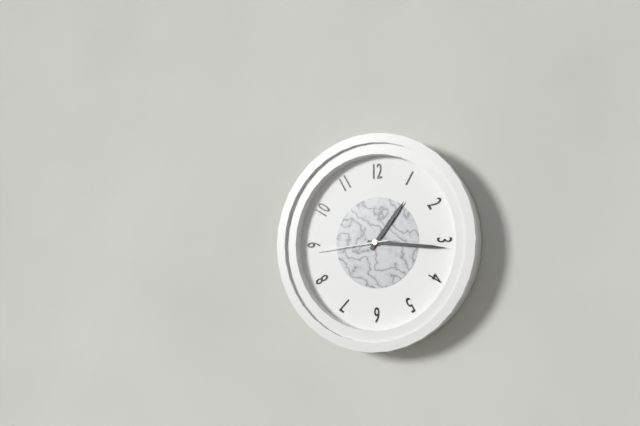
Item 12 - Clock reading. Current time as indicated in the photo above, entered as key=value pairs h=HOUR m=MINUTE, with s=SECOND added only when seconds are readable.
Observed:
h=1 m=16 s=44
